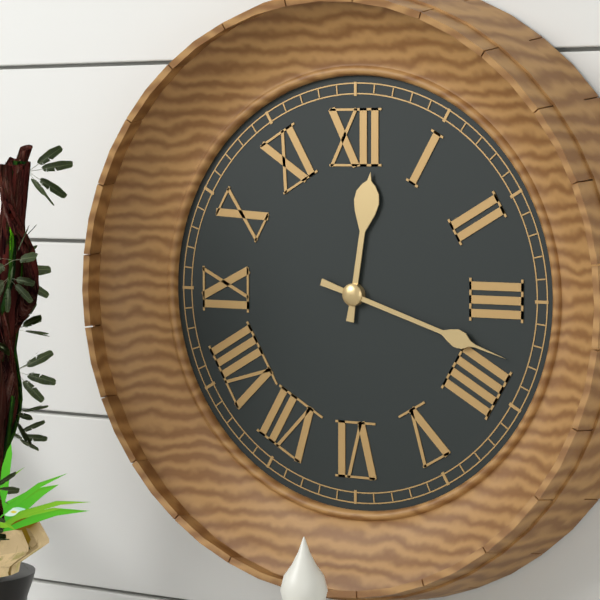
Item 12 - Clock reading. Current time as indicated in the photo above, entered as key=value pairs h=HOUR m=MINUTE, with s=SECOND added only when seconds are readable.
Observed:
h=12 m=18
